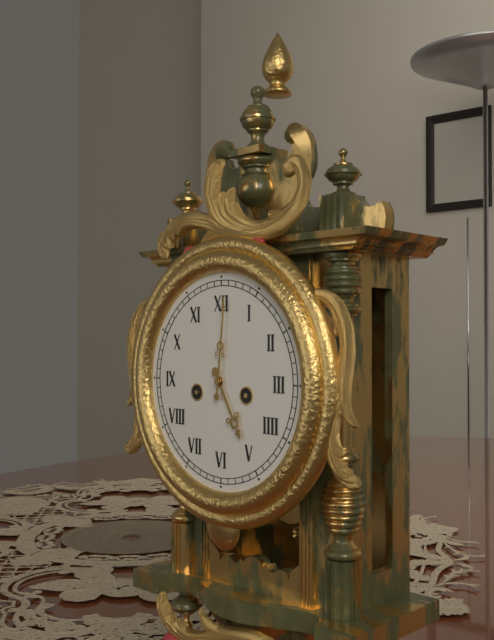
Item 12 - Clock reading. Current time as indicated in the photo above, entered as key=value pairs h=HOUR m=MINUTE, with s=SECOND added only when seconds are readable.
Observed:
h=5 m=1
